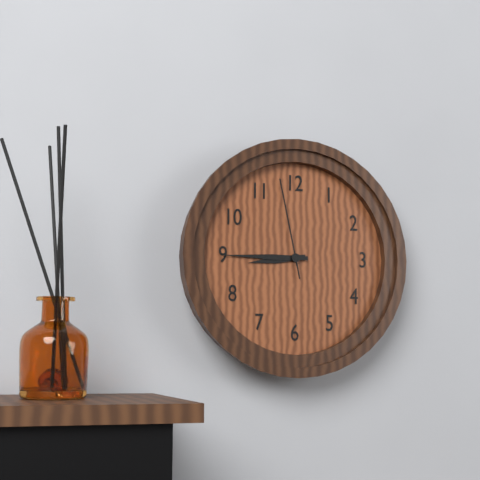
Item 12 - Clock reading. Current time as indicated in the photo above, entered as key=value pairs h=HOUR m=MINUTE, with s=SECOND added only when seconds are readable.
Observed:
h=8 m=45 s=58
